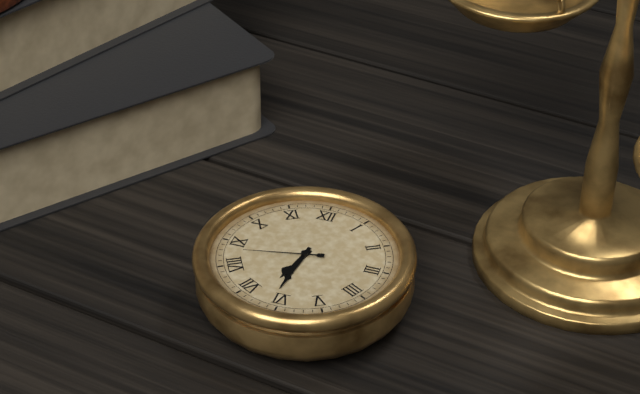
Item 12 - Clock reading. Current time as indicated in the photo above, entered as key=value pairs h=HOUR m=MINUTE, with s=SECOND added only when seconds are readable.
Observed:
h=6 m=31 s=43
